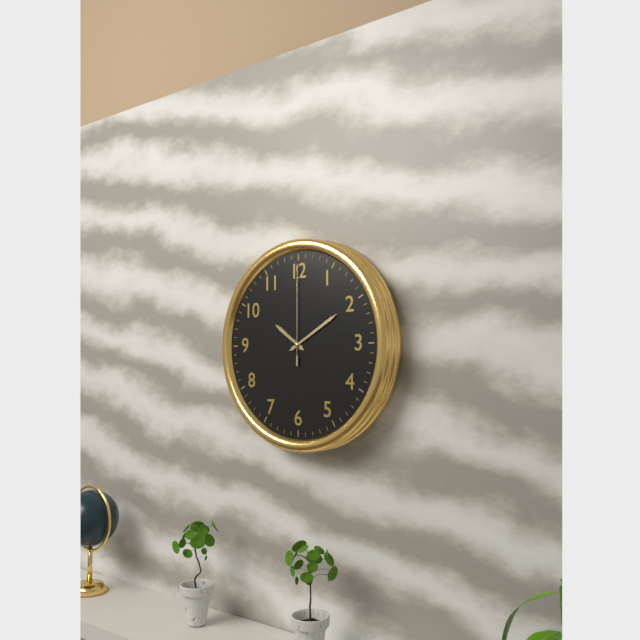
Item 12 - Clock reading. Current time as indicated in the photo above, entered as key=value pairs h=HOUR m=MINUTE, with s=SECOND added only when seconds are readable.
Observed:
h=10 m=10 s=0
